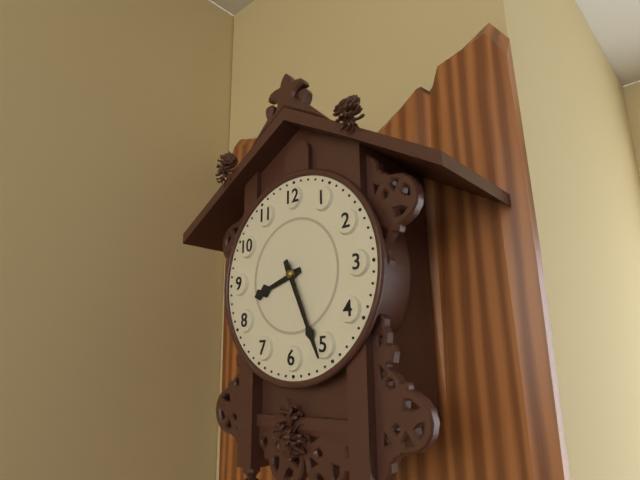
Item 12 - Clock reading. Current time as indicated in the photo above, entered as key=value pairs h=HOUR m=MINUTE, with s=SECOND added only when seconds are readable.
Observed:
h=8 m=26
